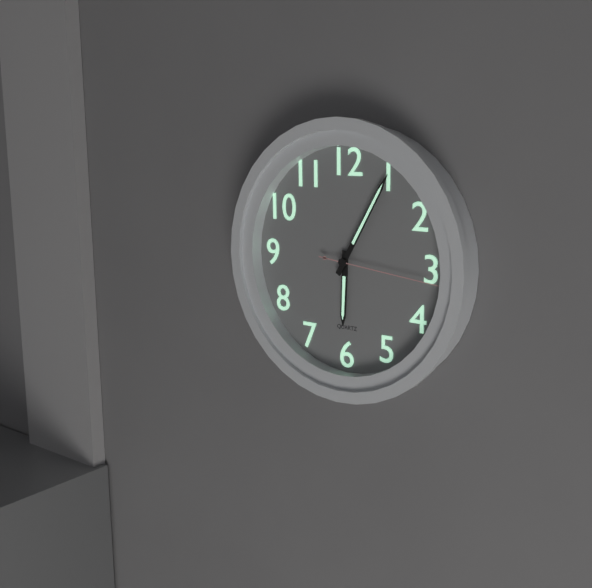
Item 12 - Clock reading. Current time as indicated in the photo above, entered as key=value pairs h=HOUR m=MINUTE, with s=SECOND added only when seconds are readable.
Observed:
h=6 m=5 s=16
